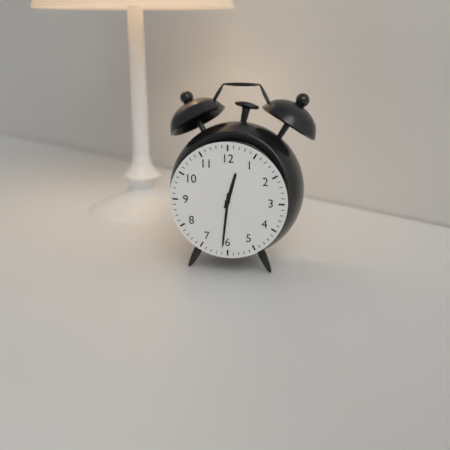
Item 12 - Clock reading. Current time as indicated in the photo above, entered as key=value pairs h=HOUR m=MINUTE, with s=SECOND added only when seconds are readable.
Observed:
h=12 m=31
